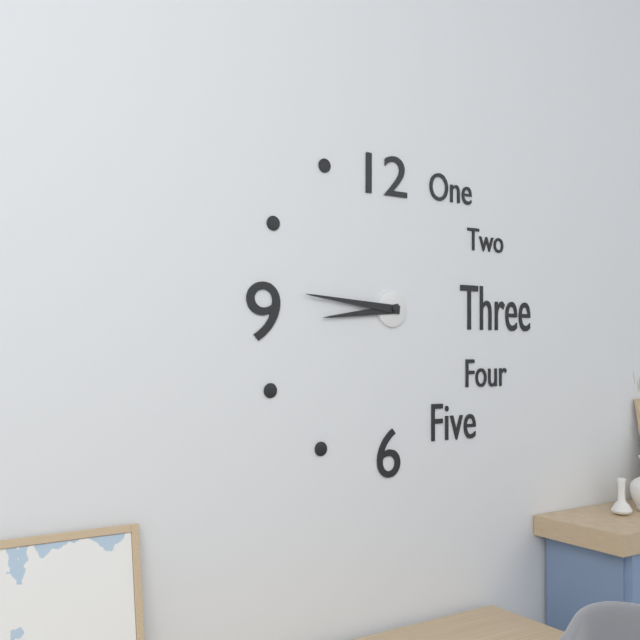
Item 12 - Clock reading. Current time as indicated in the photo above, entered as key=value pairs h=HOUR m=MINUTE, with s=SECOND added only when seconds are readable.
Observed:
h=8 m=46
